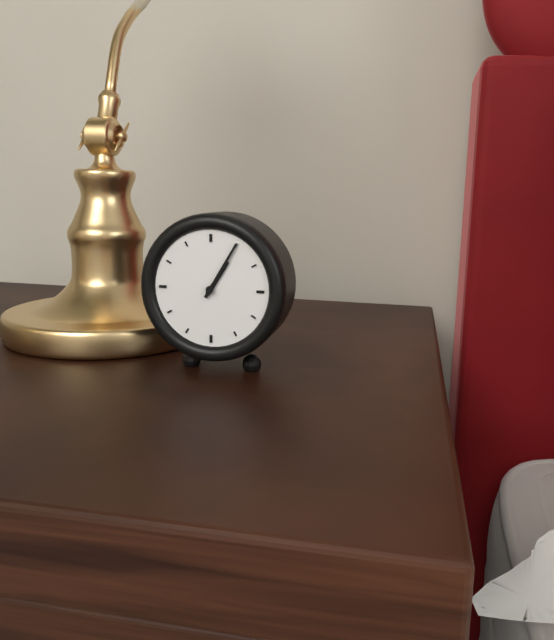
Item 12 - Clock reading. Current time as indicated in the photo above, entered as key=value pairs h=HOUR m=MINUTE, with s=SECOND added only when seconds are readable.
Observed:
h=1 m=5
